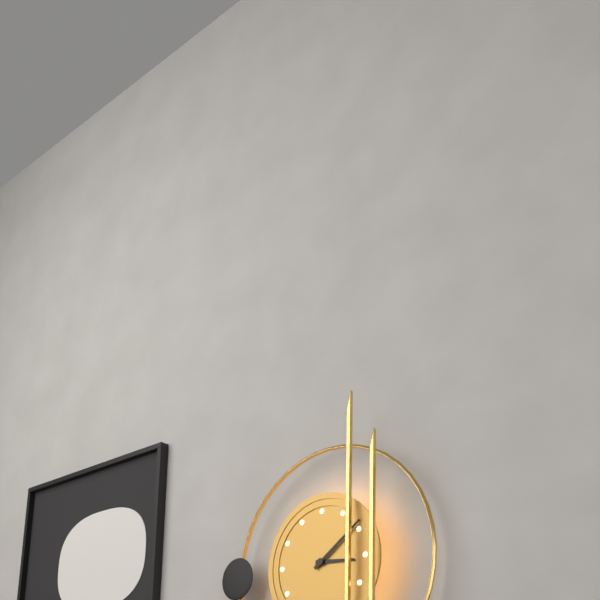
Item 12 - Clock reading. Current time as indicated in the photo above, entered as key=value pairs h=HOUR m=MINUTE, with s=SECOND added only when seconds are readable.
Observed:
h=3 m=9
